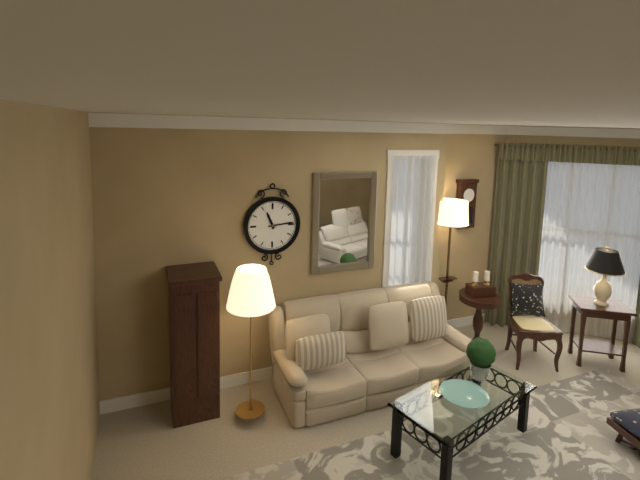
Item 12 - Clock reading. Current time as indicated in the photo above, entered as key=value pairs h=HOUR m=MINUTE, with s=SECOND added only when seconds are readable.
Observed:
h=11 m=14
